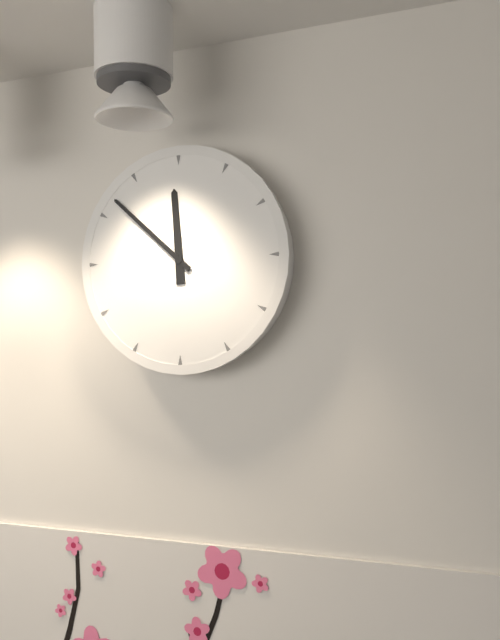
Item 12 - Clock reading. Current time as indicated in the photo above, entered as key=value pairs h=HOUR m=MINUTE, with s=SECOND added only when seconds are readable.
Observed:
h=11 m=52
